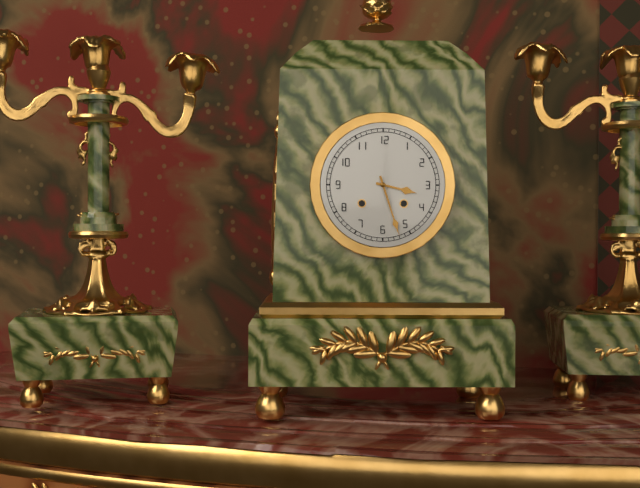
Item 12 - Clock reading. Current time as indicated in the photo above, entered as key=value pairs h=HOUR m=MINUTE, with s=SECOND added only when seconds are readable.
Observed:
h=3 m=27
